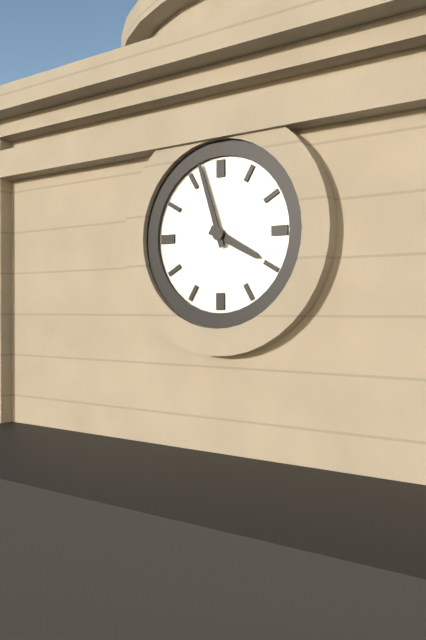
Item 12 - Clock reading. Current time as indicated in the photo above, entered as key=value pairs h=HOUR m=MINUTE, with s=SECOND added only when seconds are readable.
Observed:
h=3 m=57
